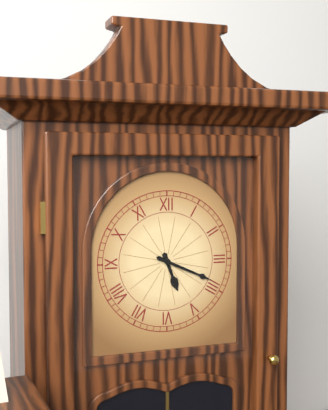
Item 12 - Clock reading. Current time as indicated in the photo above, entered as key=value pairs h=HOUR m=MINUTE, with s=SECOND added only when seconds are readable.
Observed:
h=5 m=19
